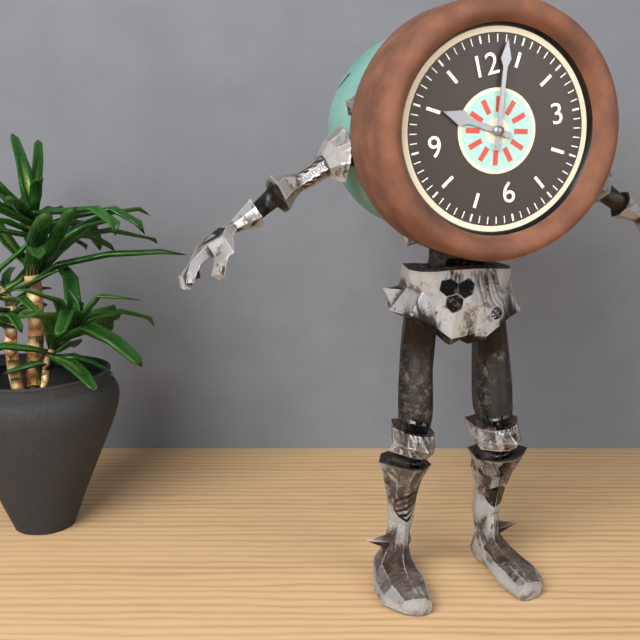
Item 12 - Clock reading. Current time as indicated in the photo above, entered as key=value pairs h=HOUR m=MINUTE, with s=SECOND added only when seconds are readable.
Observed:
h=10 m=3
